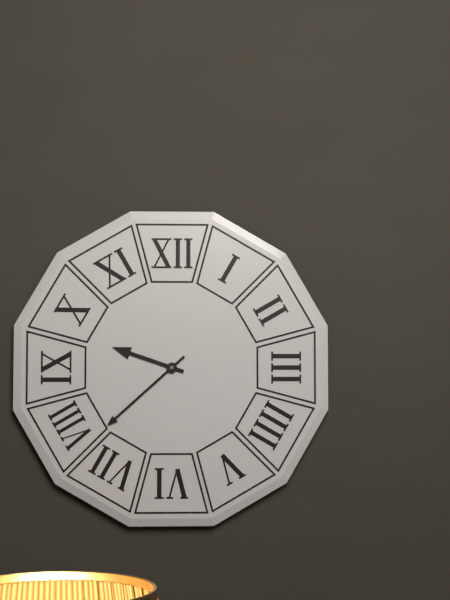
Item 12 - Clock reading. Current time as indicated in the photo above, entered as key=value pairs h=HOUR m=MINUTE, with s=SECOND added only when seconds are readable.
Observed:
h=9 m=38
